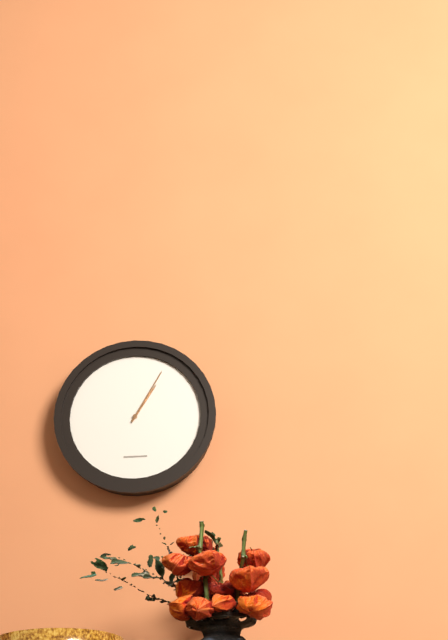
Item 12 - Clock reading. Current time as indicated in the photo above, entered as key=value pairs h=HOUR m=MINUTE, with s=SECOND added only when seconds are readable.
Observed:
h=1 m=5
